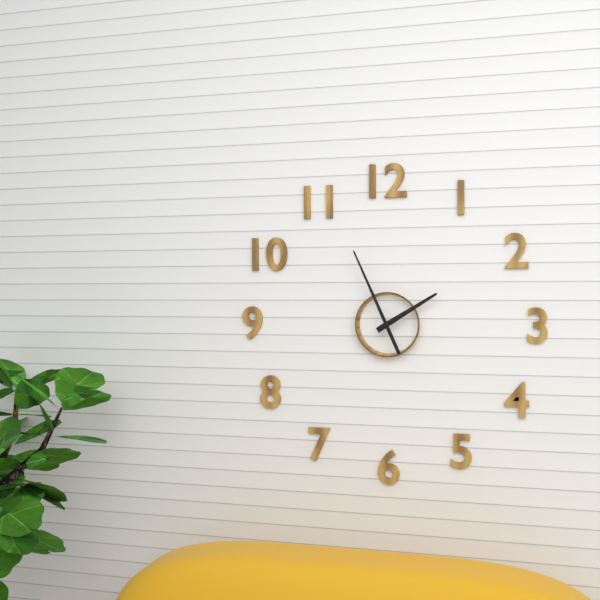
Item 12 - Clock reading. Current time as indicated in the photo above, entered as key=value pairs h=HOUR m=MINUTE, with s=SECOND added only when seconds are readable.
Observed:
h=1 m=56
